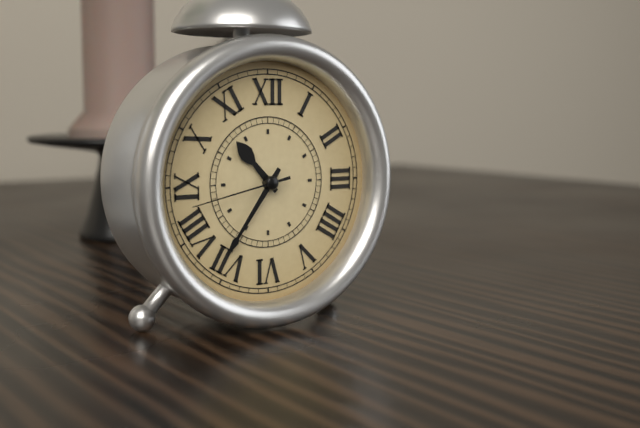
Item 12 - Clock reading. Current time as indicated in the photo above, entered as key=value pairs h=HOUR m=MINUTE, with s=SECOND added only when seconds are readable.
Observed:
h=10 m=36 s=43
